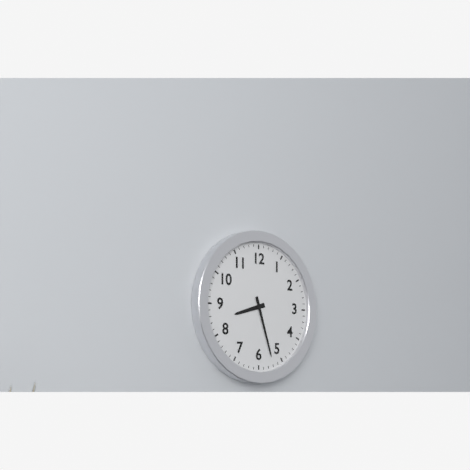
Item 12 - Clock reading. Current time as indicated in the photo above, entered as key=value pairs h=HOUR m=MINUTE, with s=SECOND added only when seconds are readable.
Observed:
h=8 m=27
